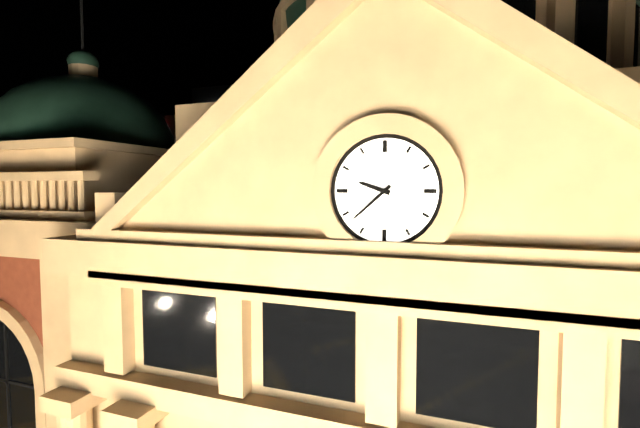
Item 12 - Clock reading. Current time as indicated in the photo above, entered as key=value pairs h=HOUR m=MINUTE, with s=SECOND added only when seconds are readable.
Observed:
h=9 m=38
